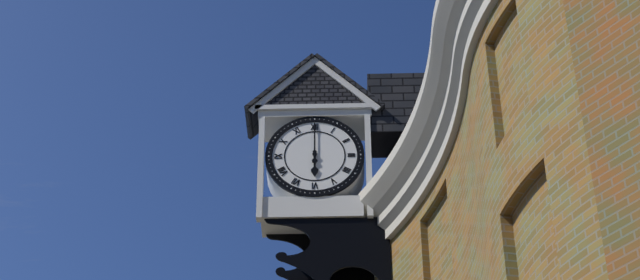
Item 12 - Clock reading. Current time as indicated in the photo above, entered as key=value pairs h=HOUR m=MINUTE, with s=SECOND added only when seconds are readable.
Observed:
h=6 m=0
